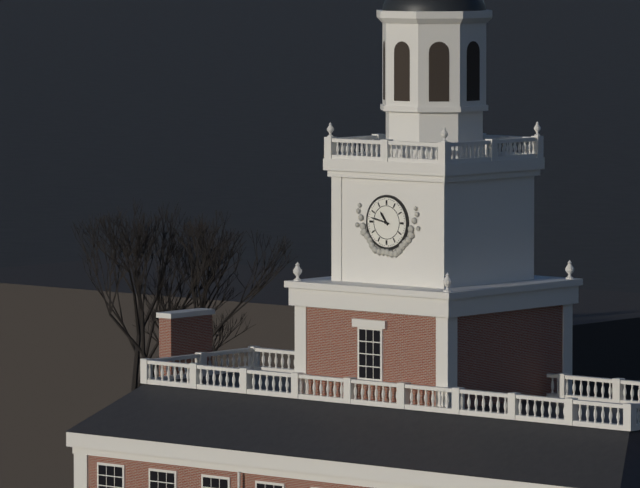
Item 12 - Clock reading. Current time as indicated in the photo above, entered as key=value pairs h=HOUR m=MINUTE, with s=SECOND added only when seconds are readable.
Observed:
h=10 m=47
